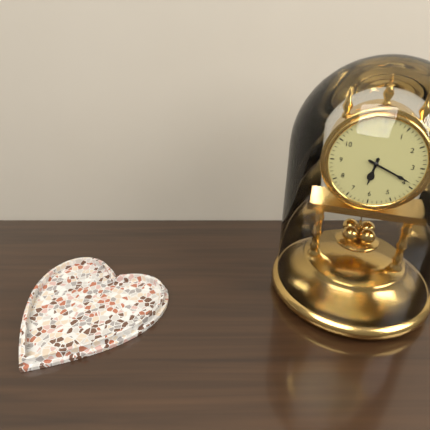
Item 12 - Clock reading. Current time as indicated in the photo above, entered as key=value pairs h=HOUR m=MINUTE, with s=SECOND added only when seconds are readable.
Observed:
h=6 m=19
